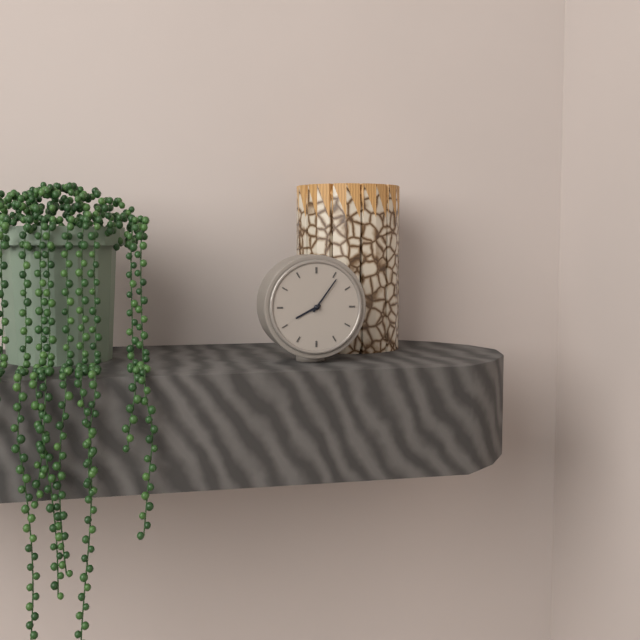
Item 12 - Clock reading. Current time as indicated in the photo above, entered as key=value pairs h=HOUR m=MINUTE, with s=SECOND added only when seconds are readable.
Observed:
h=8 m=6
